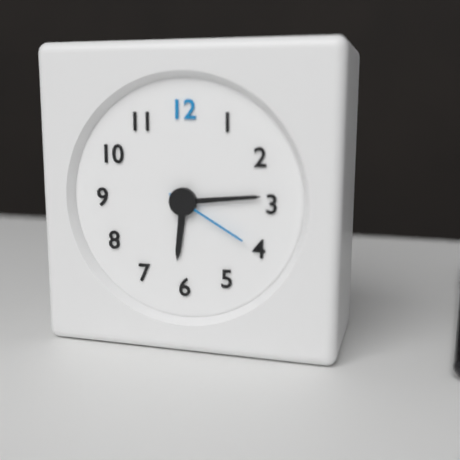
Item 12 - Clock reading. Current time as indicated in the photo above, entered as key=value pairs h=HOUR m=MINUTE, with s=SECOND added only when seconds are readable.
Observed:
h=6 m=14 s=20
